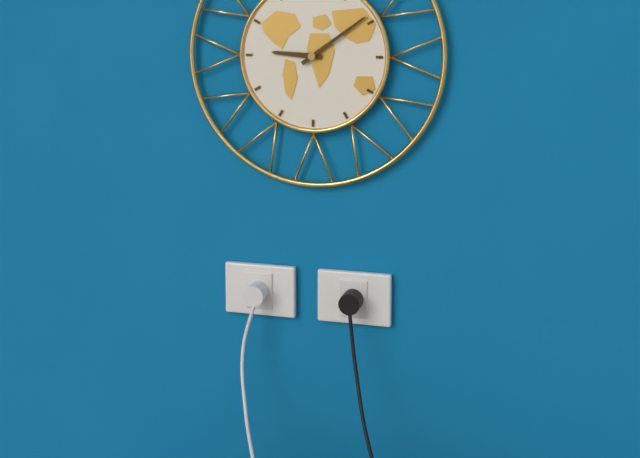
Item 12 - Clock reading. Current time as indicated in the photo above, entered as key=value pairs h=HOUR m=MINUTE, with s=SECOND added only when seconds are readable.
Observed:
h=9 m=9
